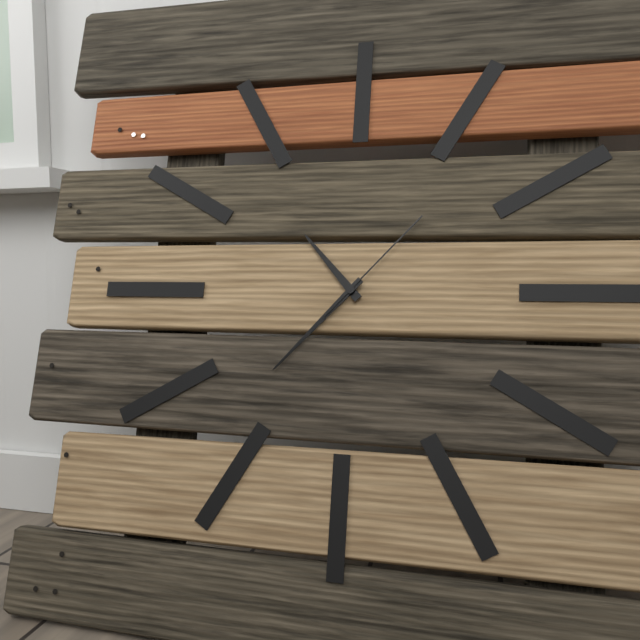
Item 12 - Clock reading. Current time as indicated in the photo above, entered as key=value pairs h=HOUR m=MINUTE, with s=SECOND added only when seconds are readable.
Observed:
h=10 m=37 s=7
